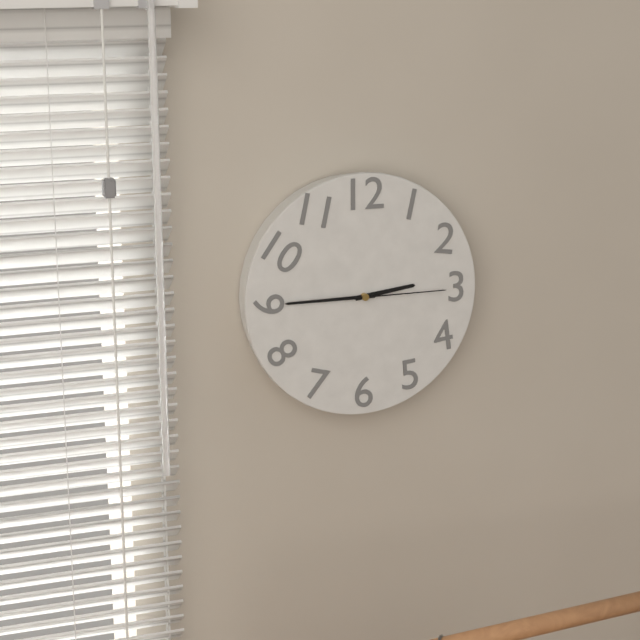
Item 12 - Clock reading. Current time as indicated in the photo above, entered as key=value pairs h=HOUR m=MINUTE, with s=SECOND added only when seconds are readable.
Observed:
h=2 m=45 s=15
